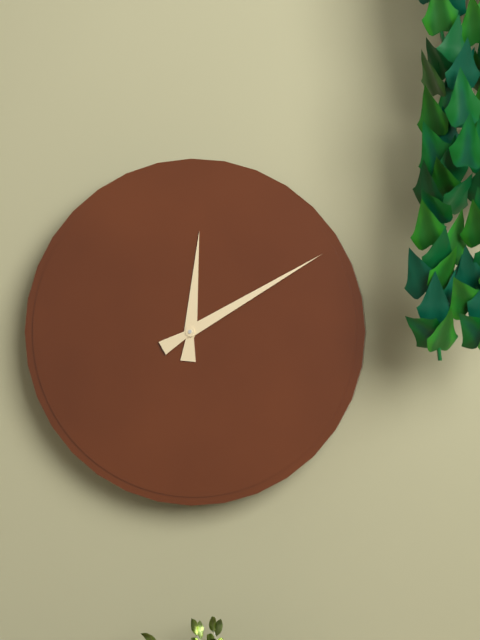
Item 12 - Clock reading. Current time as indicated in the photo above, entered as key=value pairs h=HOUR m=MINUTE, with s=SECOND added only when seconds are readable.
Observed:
h=12 m=10
